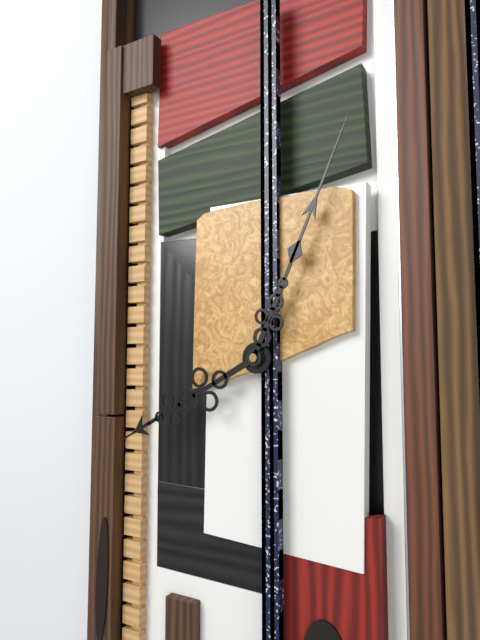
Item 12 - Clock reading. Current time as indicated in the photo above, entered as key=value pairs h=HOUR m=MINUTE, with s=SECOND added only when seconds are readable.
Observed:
h=8 m=4
